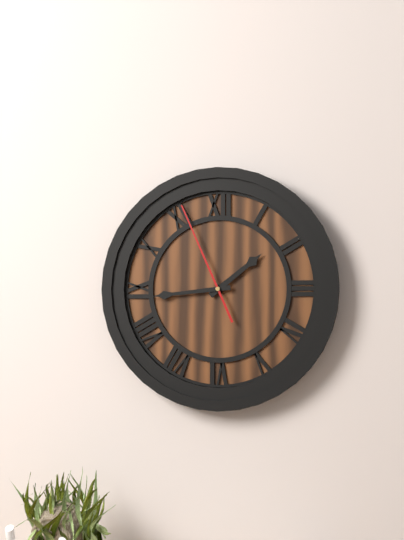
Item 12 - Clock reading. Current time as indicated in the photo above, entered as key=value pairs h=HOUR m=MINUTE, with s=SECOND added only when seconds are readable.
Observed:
h=1 m=44 s=56
